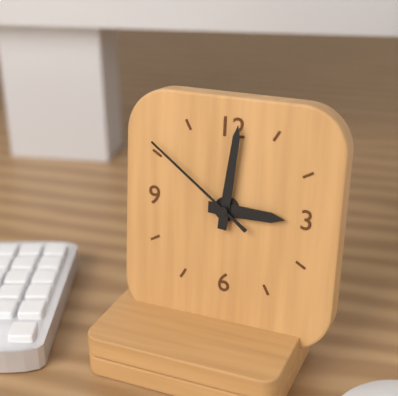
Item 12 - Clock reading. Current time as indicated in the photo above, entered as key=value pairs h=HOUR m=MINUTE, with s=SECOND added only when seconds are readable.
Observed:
h=3 m=1 s=51
